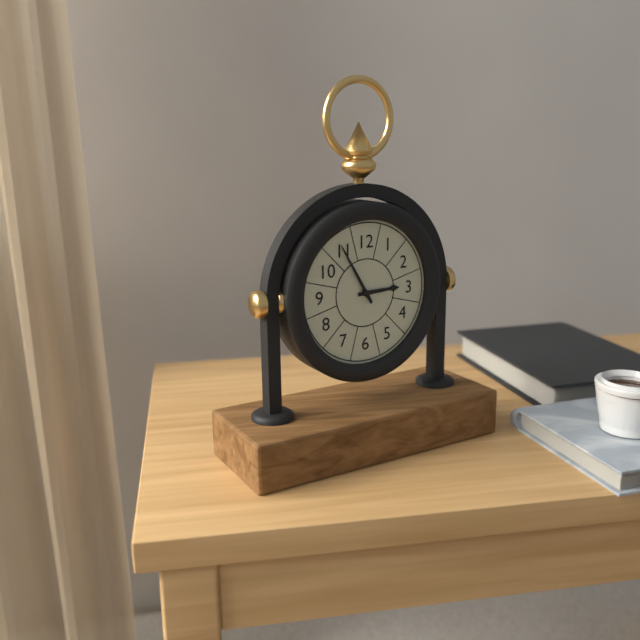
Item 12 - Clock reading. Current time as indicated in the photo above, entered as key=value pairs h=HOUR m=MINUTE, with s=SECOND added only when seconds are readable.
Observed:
h=2 m=55
